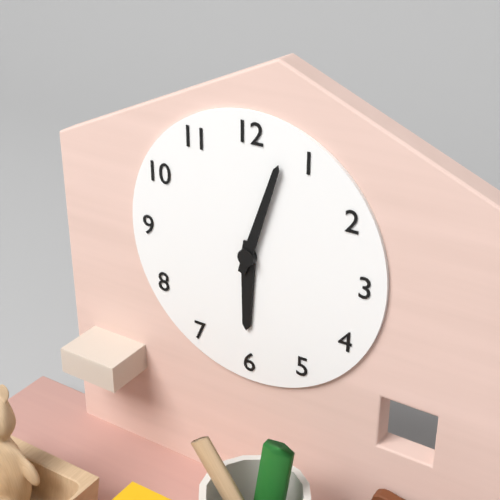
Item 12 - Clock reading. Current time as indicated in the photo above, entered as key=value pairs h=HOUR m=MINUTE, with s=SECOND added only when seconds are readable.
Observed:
h=6 m=3
